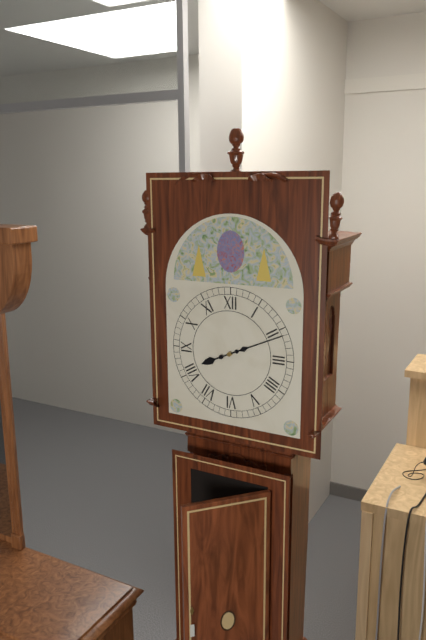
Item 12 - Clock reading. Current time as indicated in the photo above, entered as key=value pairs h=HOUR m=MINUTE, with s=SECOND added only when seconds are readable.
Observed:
h=8 m=11
